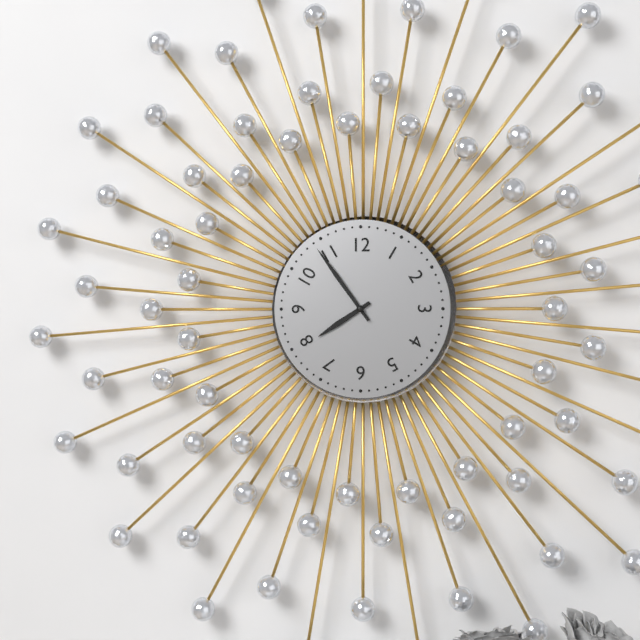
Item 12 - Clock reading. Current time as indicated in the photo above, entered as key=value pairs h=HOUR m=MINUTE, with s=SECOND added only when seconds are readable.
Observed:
h=7 m=54
